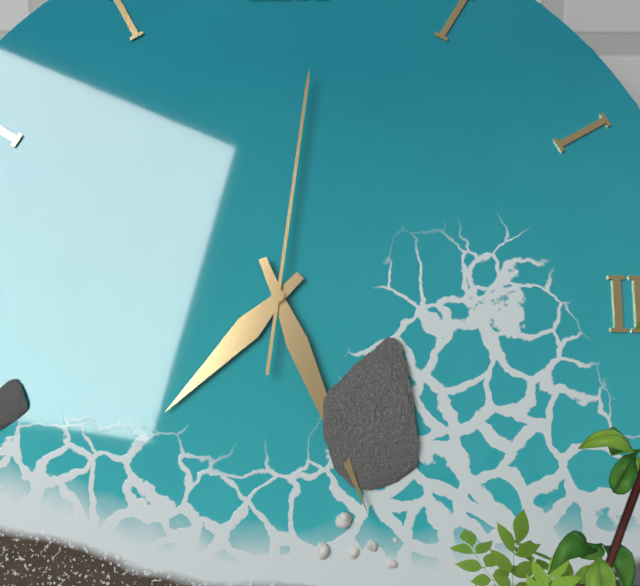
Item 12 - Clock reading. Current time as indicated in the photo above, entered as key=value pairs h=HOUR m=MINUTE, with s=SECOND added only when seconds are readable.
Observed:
h=7 m=26 s=1
